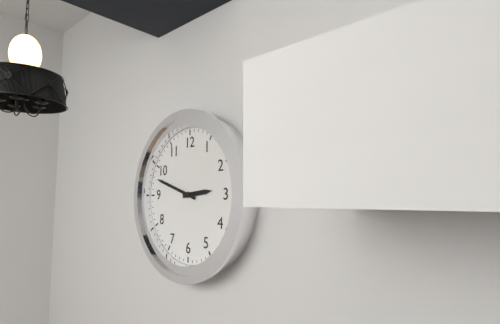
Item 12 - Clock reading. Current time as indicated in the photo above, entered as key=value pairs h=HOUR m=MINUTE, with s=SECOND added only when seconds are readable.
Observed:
h=2 m=48
